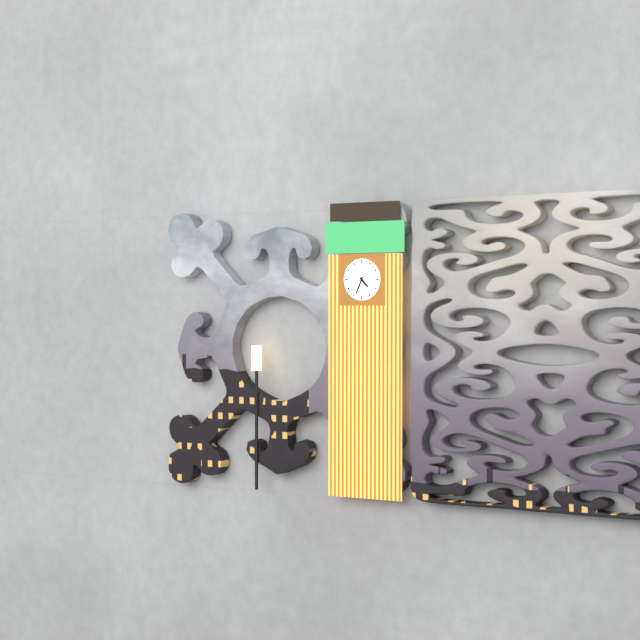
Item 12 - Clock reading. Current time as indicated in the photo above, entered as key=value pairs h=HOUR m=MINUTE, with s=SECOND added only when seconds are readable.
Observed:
h=4 m=34
